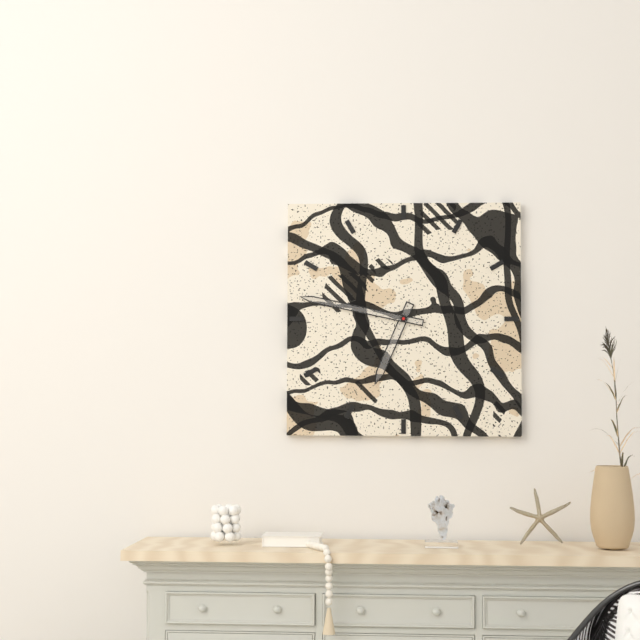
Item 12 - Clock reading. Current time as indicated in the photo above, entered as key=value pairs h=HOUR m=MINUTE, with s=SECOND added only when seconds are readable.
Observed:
h=6 m=47
